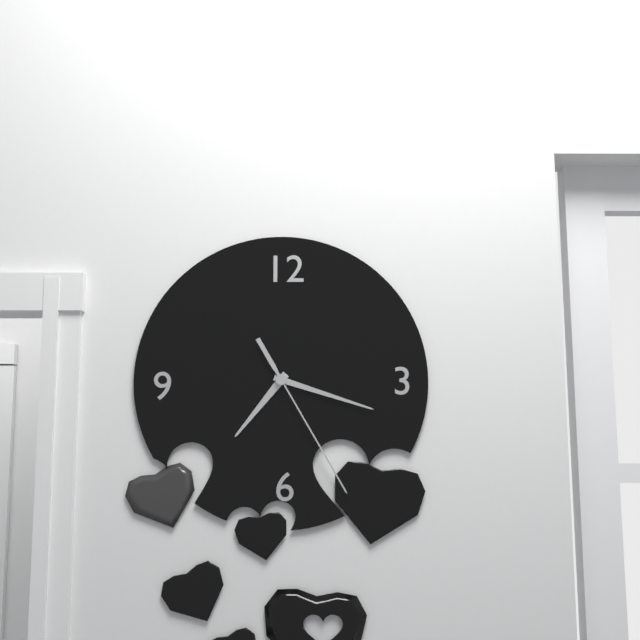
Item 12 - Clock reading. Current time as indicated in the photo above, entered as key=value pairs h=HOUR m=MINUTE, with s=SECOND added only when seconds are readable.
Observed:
h=7 m=18 s=25
